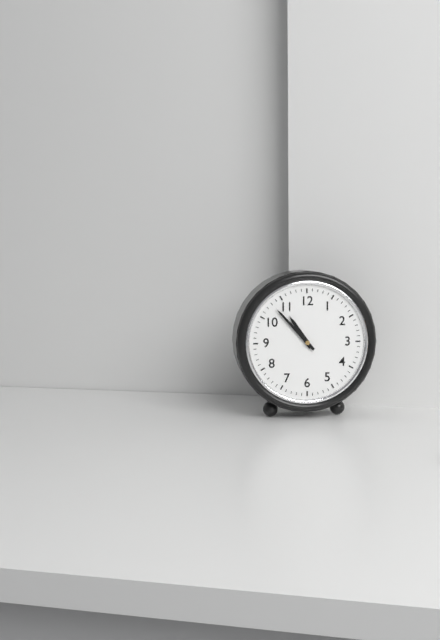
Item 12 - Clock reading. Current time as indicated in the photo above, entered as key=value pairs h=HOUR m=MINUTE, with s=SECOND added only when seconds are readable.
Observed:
h=10 m=53
